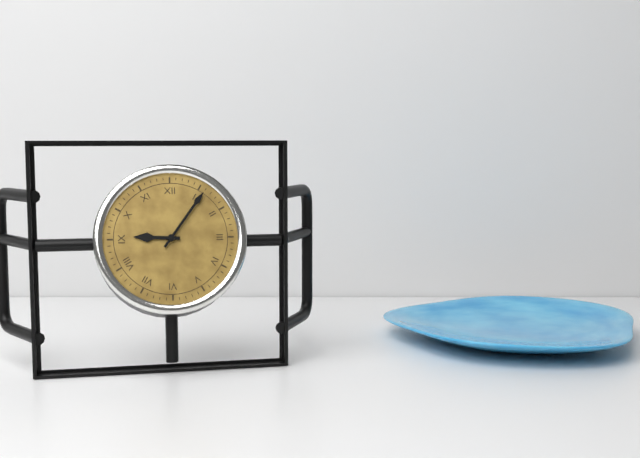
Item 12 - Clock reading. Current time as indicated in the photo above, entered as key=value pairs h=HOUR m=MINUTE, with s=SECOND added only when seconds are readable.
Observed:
h=9 m=6
